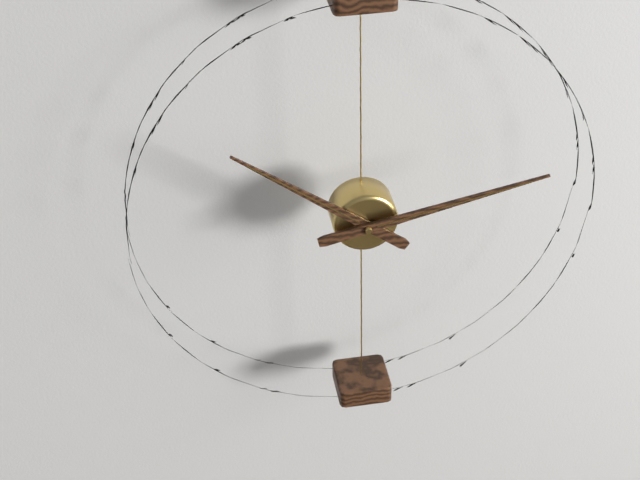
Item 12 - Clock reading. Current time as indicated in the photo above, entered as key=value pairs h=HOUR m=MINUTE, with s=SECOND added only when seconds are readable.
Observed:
h=10 m=13
